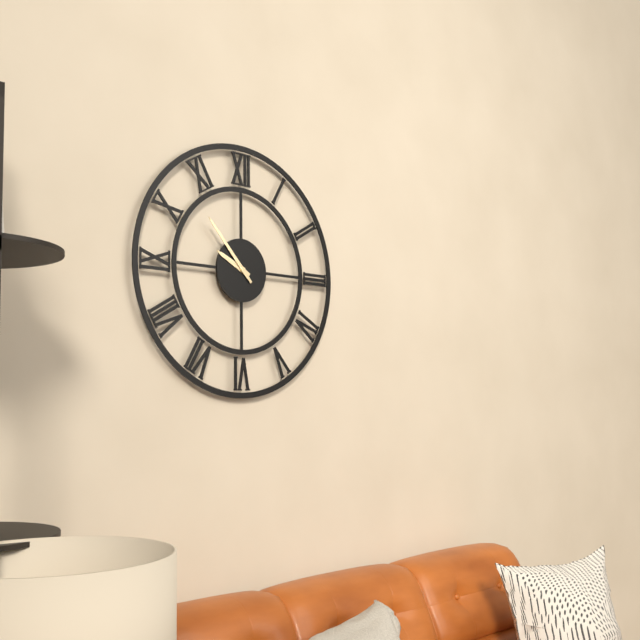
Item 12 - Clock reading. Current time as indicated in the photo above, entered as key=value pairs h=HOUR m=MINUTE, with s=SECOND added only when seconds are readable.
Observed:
h=9 m=53
